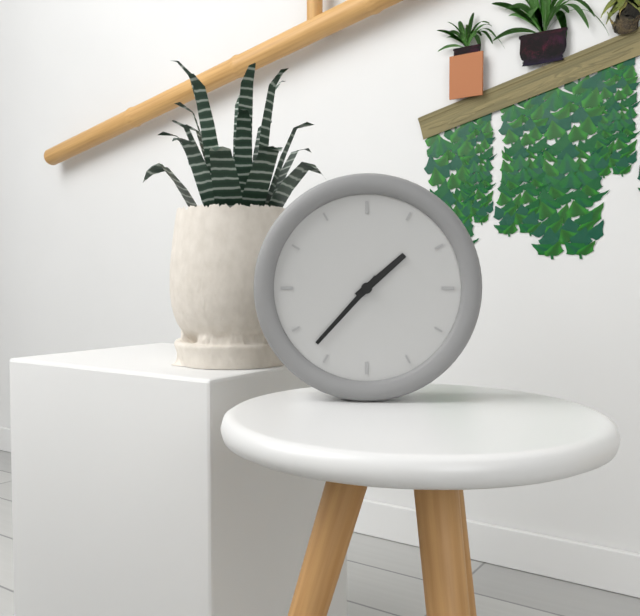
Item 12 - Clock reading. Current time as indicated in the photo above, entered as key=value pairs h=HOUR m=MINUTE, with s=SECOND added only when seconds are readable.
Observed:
h=1 m=37
